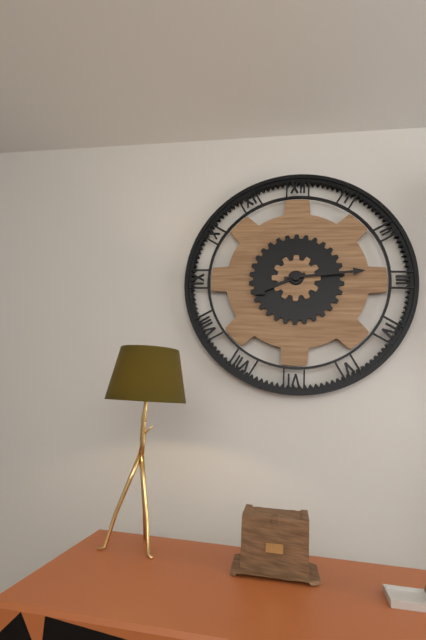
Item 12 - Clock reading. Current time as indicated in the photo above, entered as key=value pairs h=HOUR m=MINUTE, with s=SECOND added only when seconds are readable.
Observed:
h=8 m=14
